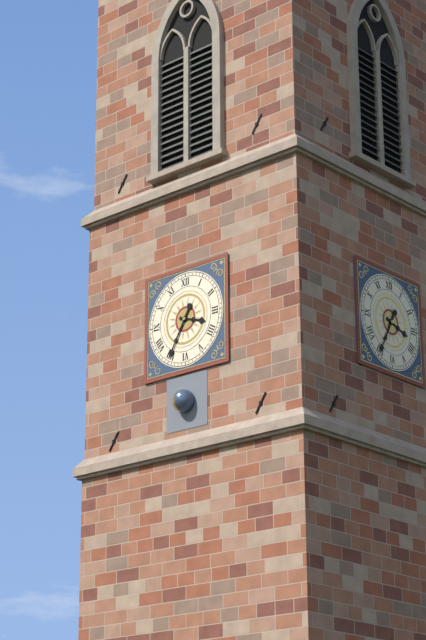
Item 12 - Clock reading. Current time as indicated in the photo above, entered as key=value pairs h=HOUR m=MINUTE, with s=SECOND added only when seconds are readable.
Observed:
h=3 m=35
